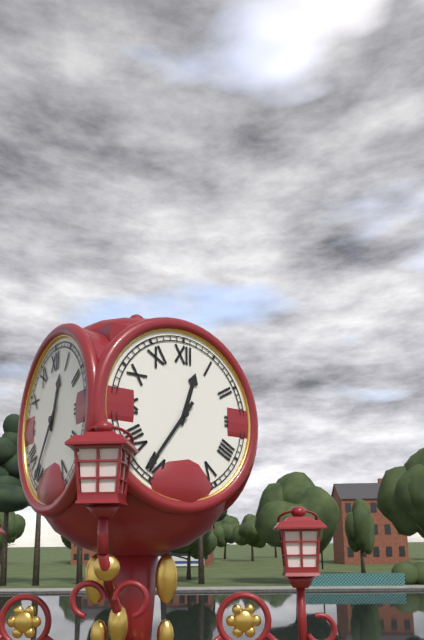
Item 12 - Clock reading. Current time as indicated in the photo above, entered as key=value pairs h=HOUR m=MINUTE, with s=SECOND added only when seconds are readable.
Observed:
h=12 m=36
